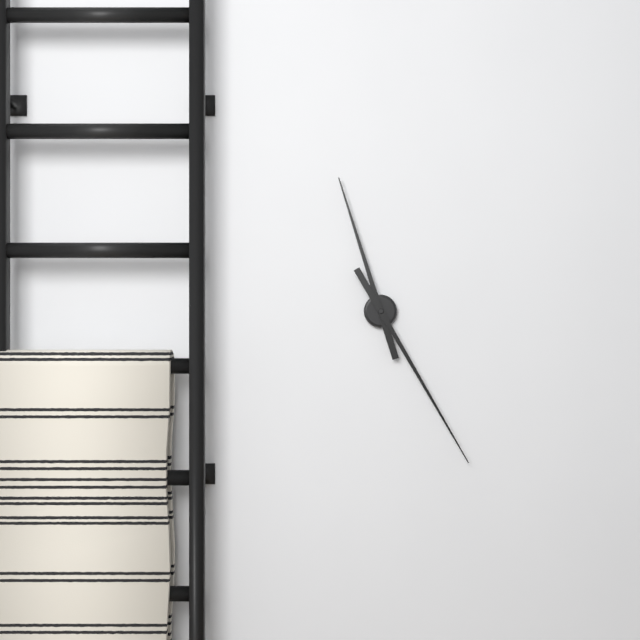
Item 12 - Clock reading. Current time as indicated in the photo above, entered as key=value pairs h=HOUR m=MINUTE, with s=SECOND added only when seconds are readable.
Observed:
h=11 m=25
